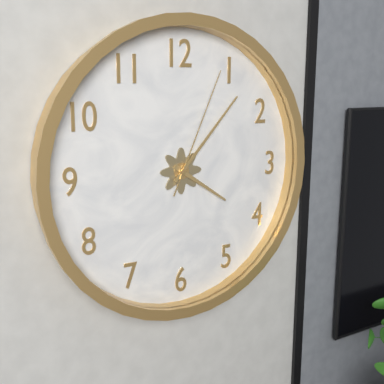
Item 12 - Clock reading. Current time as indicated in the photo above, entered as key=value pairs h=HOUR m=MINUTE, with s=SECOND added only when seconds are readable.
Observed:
h=4 m=7 s=4
